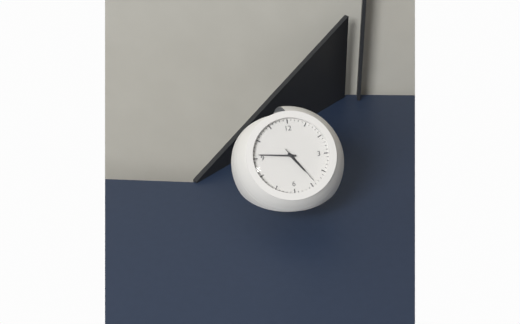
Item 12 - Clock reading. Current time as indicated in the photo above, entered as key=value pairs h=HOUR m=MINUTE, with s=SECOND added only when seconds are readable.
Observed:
h=4 m=46
